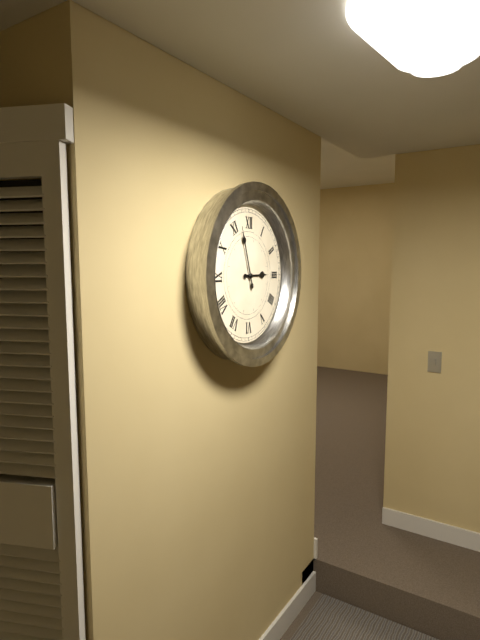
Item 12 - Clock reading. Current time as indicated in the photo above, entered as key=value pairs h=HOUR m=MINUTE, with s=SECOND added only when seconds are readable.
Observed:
h=2 m=57
